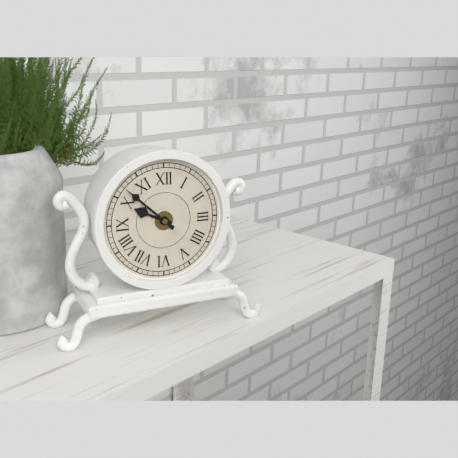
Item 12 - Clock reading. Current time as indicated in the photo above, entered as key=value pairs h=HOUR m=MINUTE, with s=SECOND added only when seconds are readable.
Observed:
h=9 m=52
